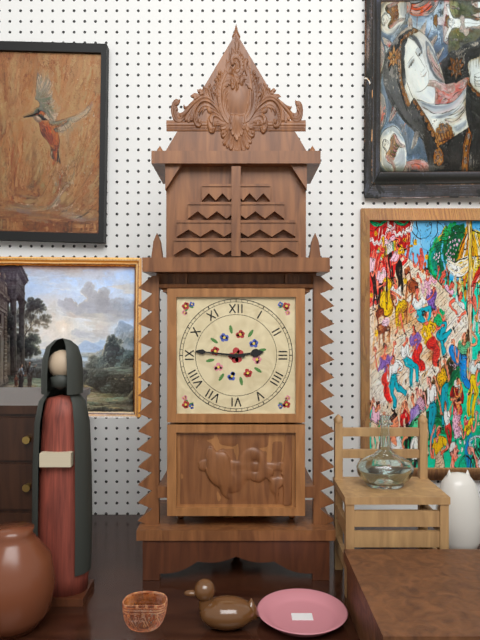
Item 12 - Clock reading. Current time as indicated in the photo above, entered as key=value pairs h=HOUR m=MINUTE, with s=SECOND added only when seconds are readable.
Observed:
h=2 m=46
